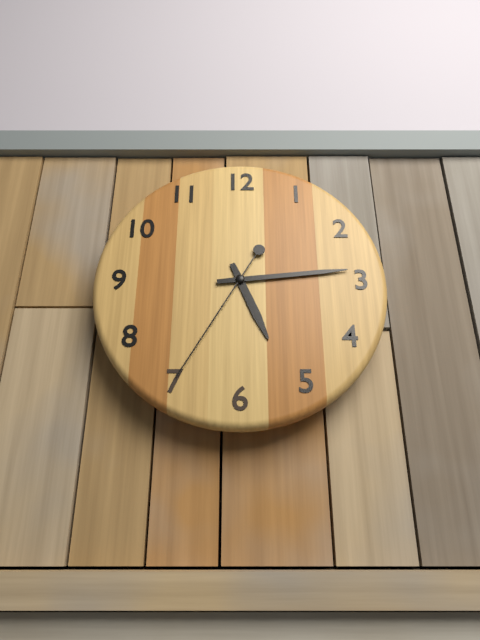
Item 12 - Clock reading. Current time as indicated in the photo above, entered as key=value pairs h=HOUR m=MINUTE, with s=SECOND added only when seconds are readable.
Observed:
h=5 m=14 s=35
